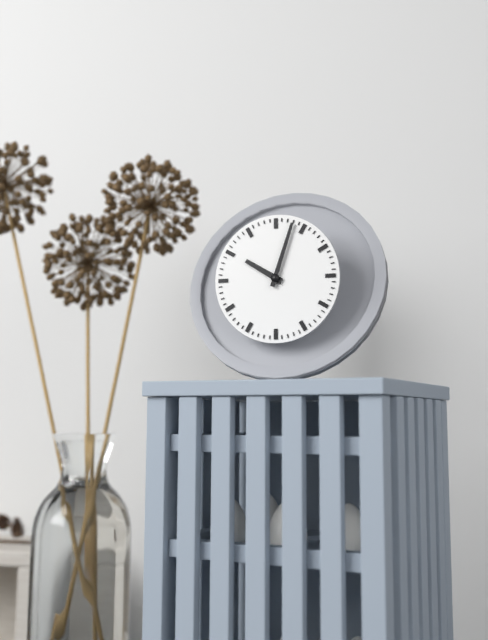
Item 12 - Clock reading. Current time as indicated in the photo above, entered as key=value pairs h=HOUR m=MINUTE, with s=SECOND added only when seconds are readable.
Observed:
h=10 m=3
